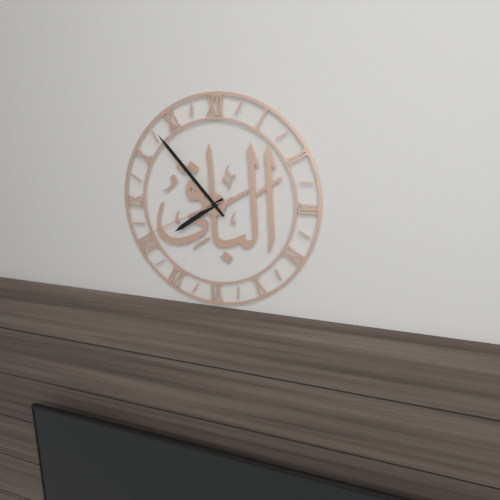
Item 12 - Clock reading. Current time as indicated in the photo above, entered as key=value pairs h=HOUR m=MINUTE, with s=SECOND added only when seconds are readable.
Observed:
h=7 m=53 s=41
